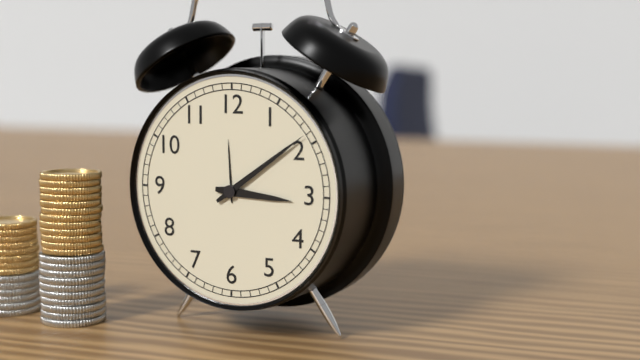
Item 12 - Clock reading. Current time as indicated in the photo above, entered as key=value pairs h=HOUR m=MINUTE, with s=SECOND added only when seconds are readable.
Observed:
h=3 m=9
